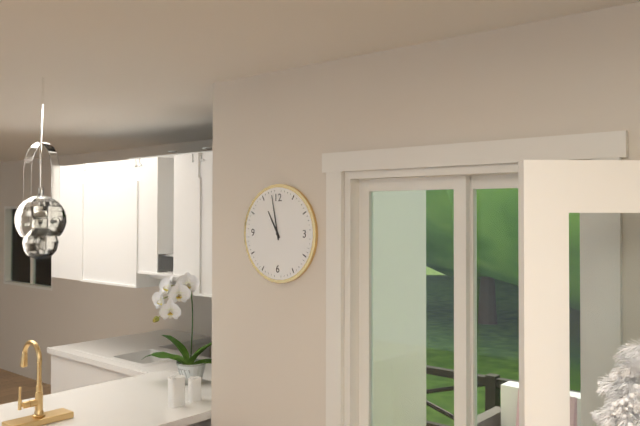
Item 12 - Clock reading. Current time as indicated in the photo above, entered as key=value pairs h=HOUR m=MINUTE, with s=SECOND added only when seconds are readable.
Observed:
h=10 m=58
